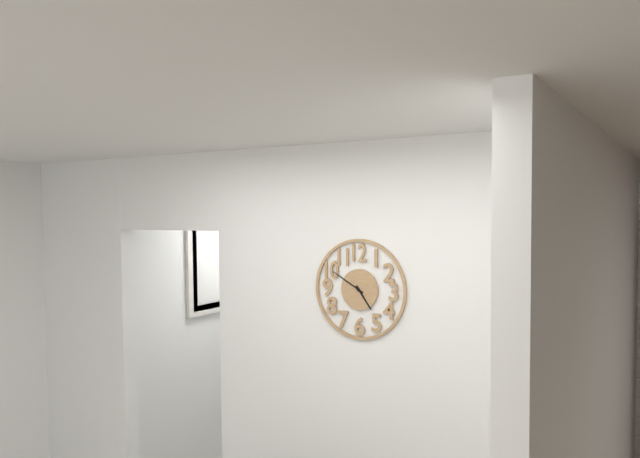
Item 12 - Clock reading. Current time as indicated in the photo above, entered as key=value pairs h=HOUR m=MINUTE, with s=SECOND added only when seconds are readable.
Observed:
h=4 m=50
